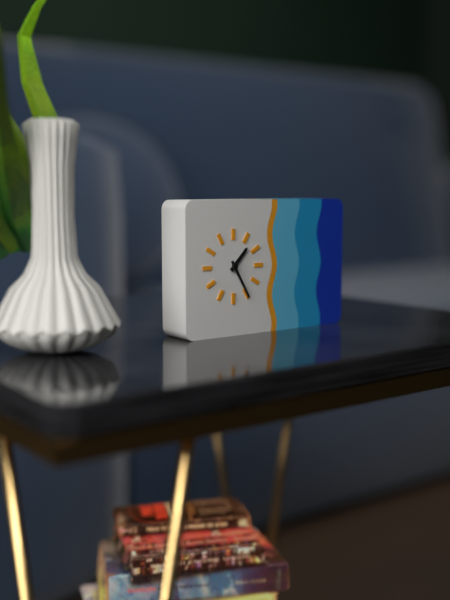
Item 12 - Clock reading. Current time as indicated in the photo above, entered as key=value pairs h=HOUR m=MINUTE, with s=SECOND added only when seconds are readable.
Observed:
h=1 m=25
